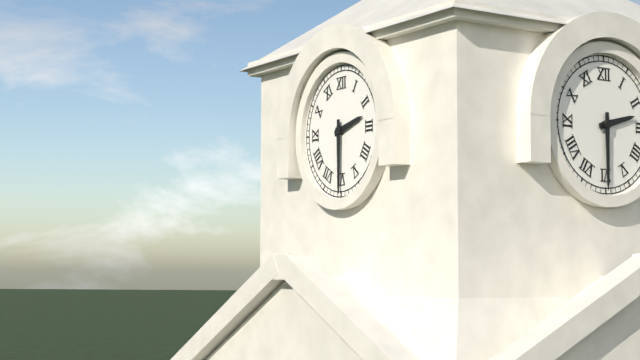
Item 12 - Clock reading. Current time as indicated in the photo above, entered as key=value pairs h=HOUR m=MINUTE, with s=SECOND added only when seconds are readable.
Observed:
h=2 m=30
